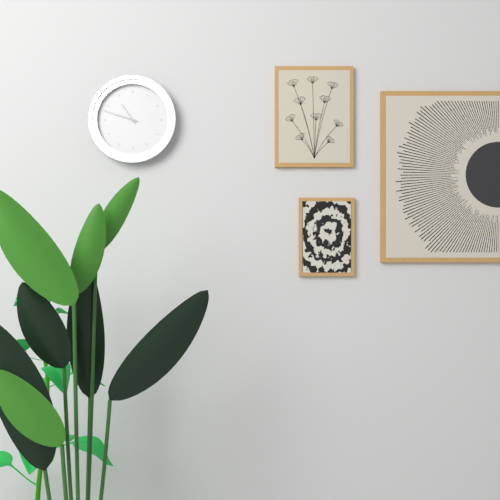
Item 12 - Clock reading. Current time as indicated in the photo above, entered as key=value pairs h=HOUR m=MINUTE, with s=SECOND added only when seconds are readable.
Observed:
h=10 m=48
